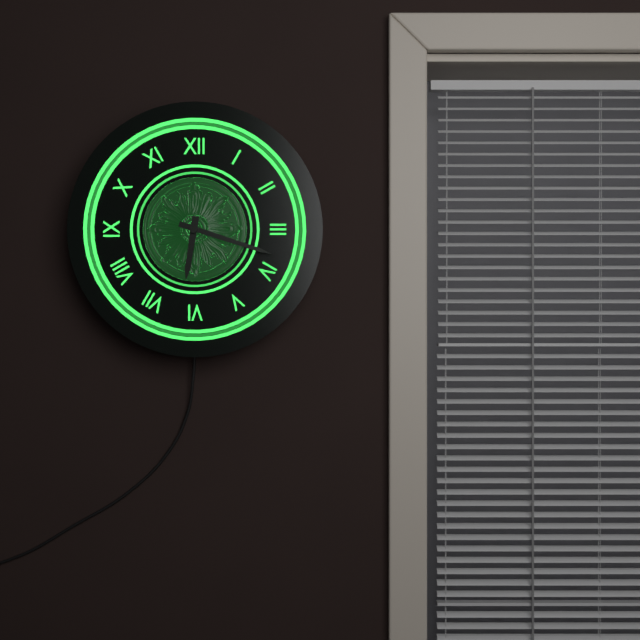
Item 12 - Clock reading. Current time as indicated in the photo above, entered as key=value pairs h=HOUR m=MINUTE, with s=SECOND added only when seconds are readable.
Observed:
h=6 m=18
